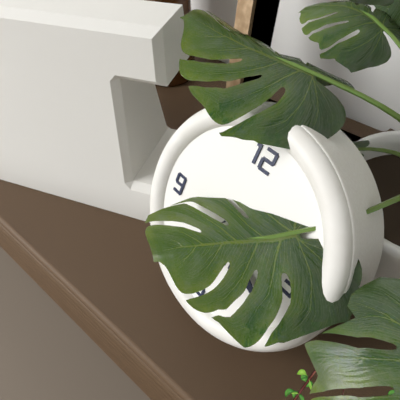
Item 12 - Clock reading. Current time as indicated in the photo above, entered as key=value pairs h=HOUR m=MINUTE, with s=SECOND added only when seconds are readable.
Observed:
h=3 m=20
